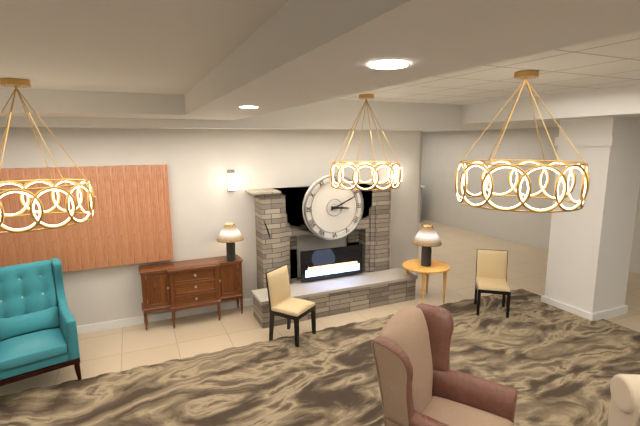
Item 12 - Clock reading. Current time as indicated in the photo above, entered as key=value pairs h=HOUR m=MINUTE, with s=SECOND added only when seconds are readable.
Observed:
h=3 m=11
